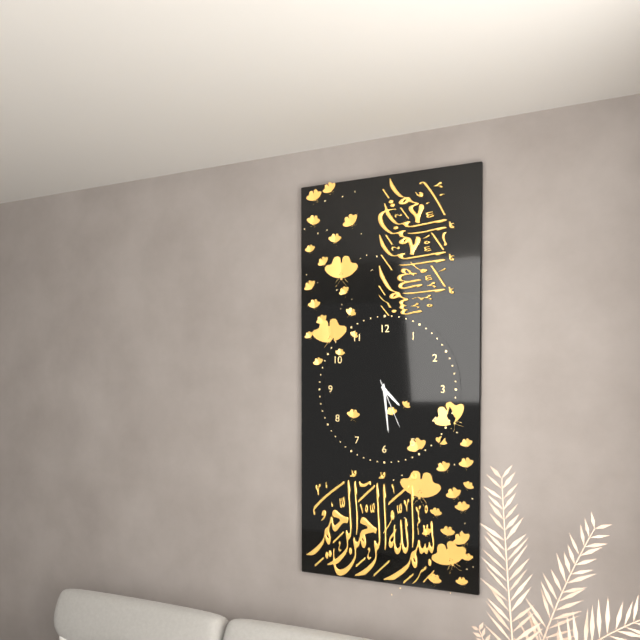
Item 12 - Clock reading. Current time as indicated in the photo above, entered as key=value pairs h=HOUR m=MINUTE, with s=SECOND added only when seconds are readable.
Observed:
h=4 m=29 s=26
